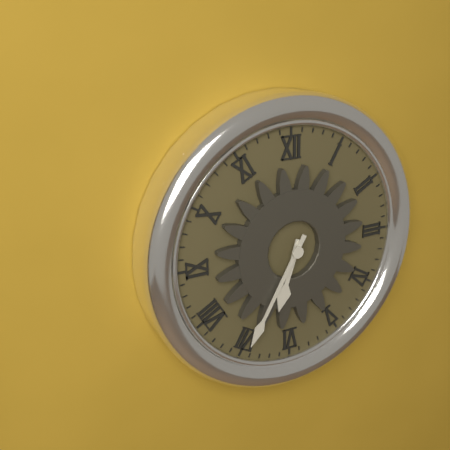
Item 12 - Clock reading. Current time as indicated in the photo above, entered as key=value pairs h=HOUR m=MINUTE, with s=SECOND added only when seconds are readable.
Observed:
h=6 m=35
